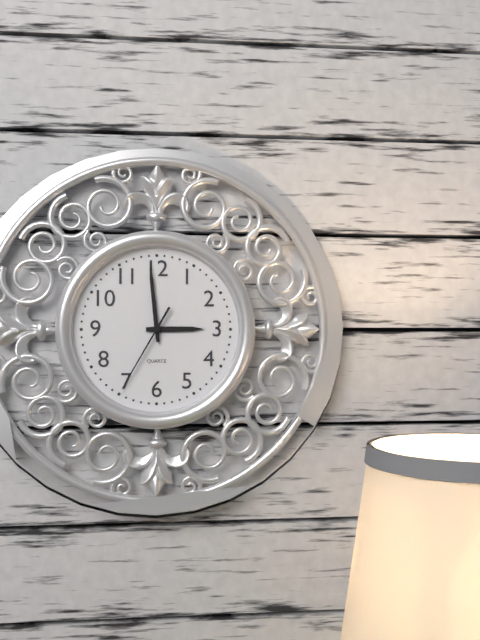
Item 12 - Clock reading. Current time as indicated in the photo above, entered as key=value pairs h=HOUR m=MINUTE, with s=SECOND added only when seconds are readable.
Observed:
h=2 m=59 s=35
